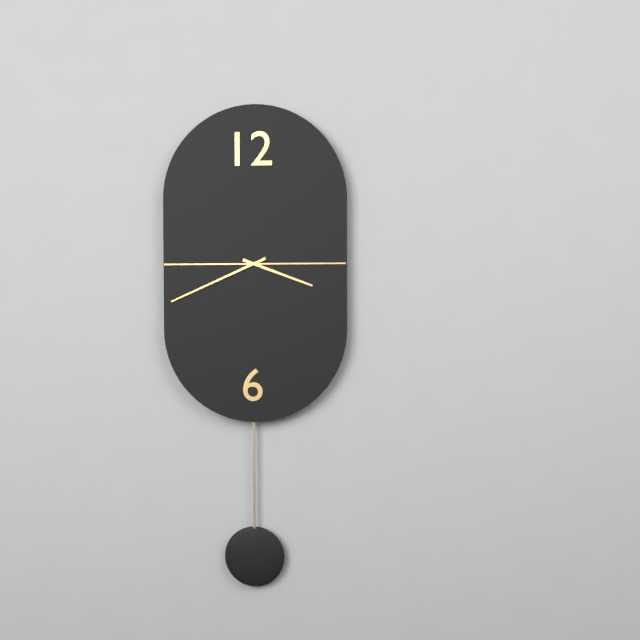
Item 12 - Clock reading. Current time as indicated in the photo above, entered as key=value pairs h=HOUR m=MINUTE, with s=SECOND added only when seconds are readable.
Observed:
h=3 m=41
